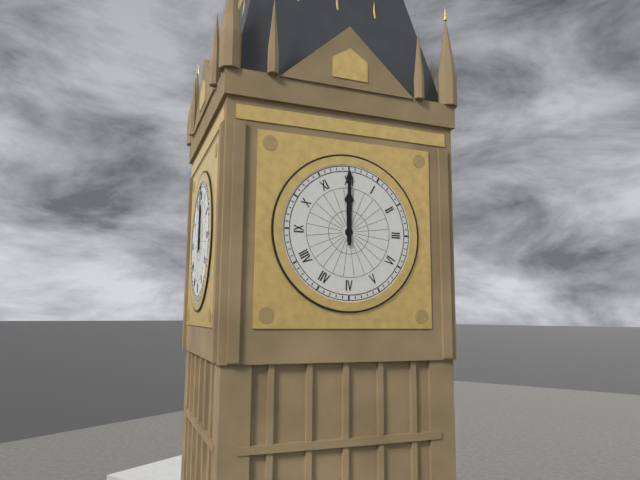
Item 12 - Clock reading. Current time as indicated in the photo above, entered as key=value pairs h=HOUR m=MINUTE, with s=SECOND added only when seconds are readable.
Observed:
h=12 m=0
